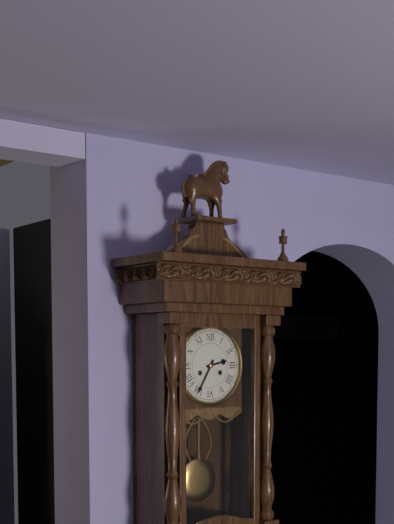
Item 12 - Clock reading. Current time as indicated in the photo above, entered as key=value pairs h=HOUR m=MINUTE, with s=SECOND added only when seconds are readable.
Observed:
h=2 m=35
